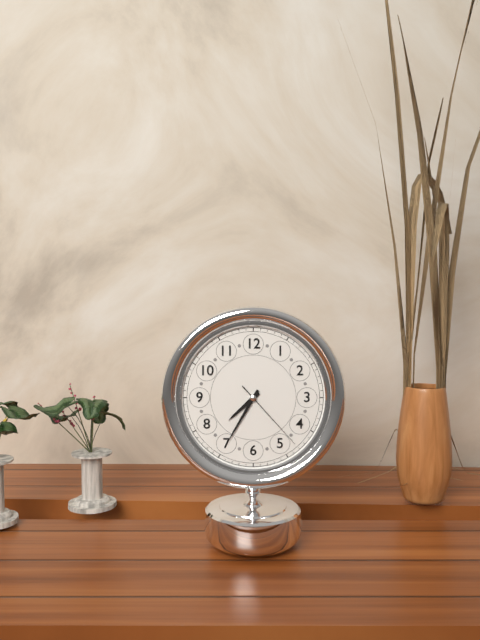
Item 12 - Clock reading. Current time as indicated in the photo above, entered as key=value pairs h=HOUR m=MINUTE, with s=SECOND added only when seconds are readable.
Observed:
h=7 m=35 s=23
